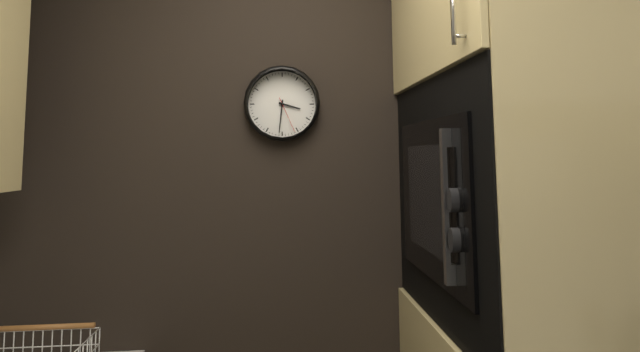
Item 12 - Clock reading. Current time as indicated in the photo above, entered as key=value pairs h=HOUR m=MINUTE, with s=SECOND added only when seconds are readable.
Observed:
h=3 m=31
